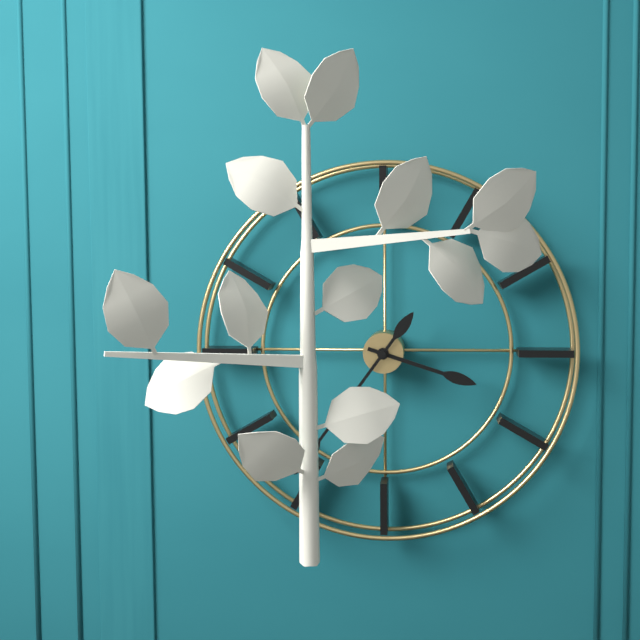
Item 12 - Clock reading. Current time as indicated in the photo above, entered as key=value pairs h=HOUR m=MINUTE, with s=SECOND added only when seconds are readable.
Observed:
h=3 m=36
